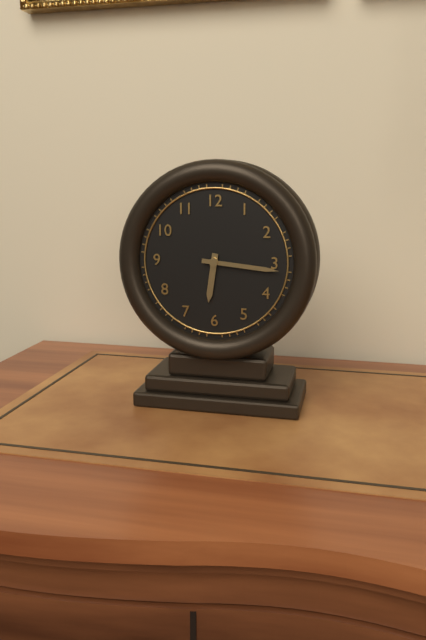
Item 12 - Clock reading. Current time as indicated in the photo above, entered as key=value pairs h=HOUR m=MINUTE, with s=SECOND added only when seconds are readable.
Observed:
h=6 m=16
